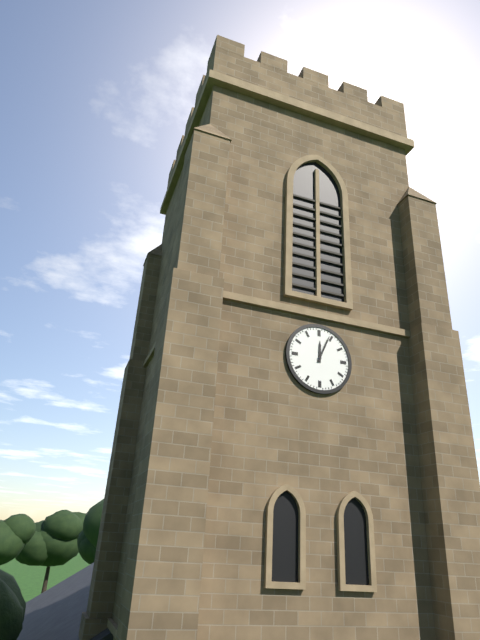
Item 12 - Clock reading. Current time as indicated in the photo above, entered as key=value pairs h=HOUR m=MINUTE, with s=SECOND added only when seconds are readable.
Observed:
h=12 m=4
